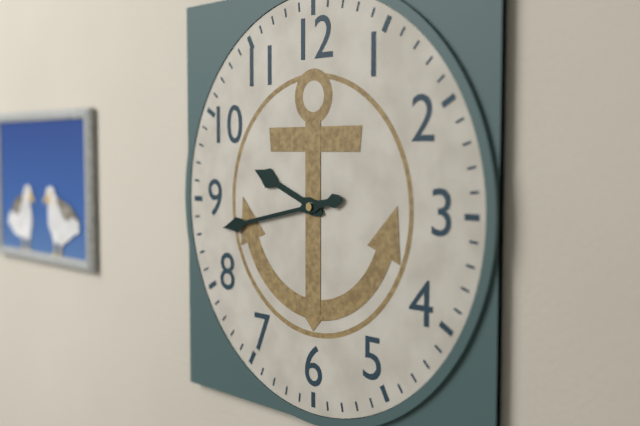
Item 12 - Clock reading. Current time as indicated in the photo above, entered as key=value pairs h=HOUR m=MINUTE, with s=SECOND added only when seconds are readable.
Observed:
h=9 m=43
